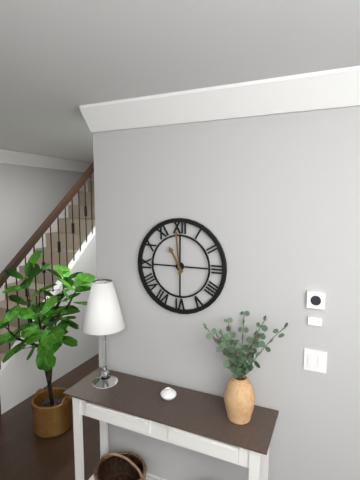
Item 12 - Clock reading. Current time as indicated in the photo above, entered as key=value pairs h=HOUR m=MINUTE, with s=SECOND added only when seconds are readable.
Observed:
h=10 m=59
